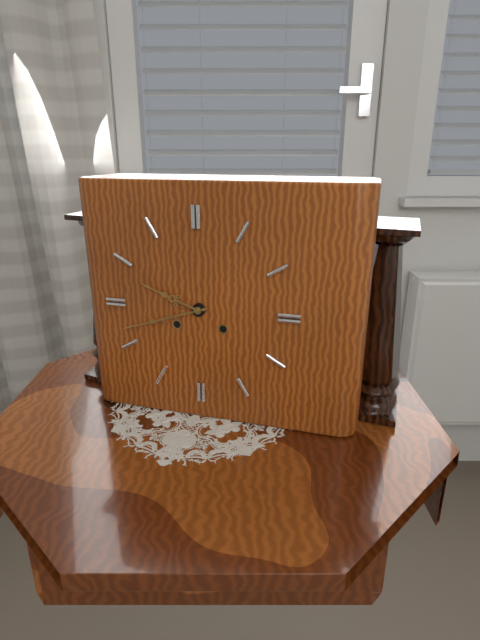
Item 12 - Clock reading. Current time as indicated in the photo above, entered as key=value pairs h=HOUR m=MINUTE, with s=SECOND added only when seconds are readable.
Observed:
h=9 m=42
